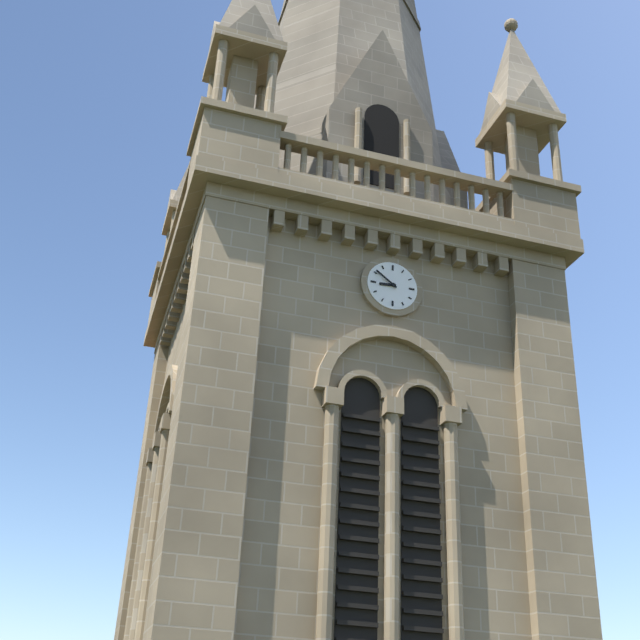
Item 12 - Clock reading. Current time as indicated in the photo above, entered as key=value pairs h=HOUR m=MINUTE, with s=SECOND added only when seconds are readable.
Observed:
h=8 m=51
